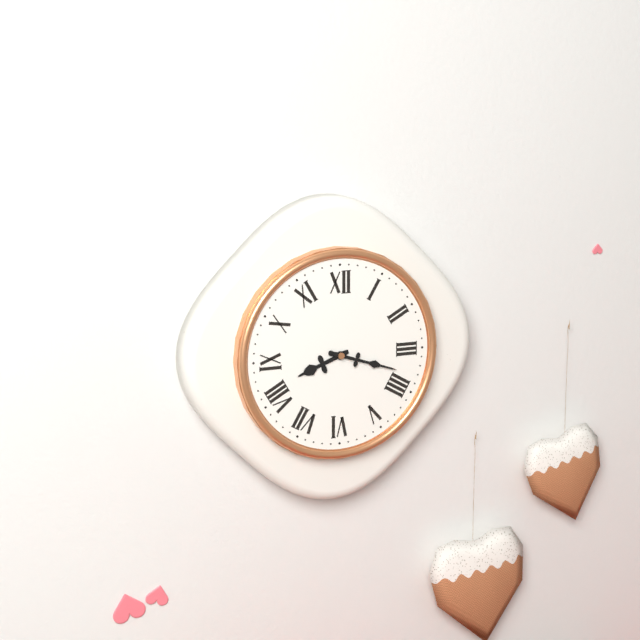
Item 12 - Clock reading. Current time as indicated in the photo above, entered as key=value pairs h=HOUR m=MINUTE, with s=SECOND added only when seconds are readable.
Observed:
h=8 m=18
